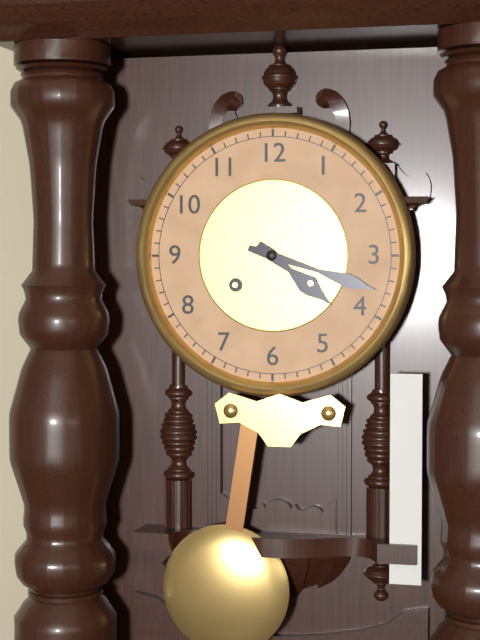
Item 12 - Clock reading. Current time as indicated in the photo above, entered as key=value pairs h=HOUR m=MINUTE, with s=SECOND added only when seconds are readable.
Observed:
h=4 m=18
